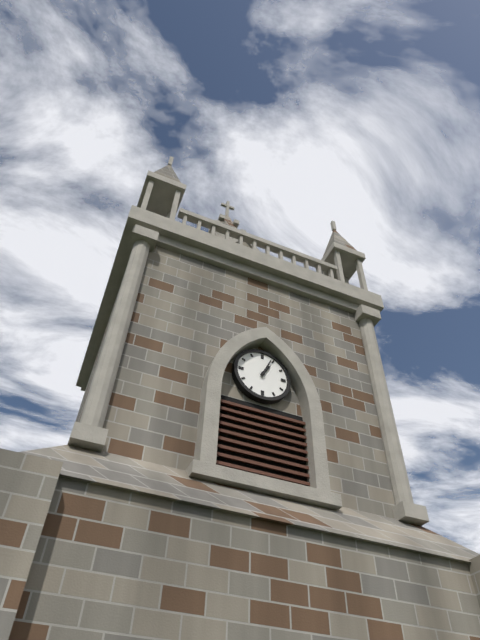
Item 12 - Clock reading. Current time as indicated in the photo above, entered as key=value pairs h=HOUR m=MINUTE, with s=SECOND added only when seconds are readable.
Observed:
h=1 m=4
